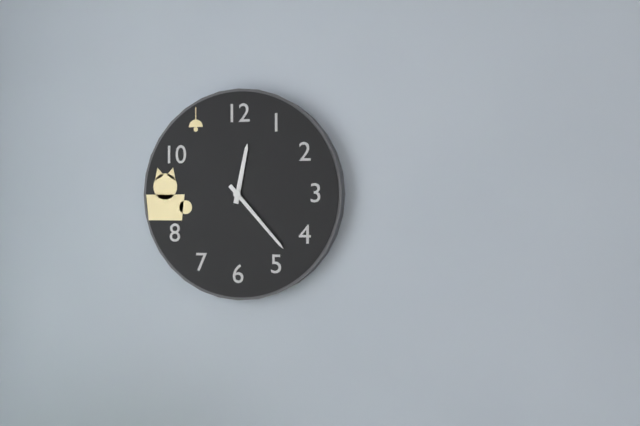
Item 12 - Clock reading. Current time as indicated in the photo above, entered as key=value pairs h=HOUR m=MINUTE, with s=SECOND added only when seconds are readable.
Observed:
h=12 m=23
